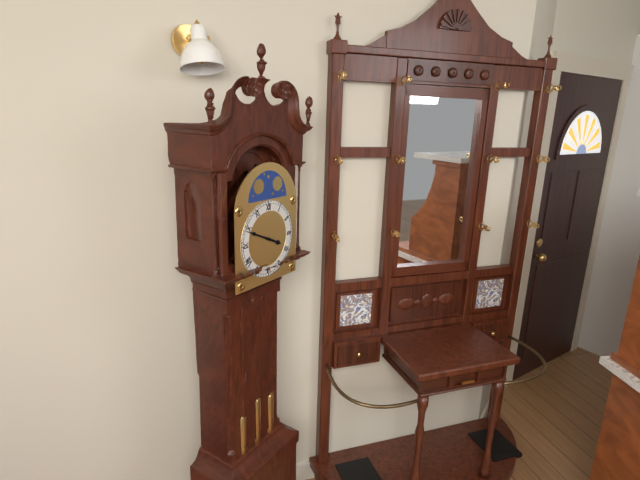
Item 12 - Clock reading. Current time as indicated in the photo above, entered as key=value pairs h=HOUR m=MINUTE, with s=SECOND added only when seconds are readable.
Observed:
h=3 m=49
